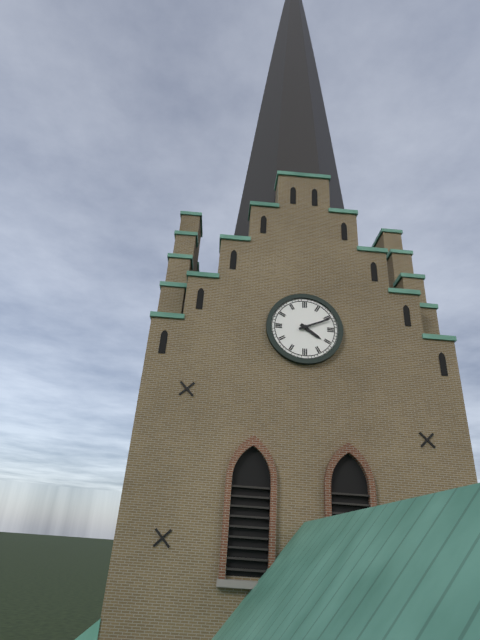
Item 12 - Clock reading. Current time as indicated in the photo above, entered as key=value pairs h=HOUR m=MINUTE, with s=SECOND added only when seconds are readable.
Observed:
h=4 m=11
